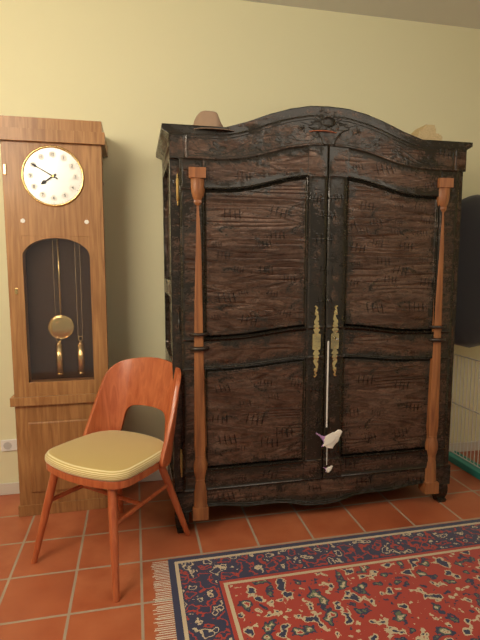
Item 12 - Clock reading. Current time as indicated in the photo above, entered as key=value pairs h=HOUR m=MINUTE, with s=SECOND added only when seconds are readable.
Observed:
h=7 m=50
